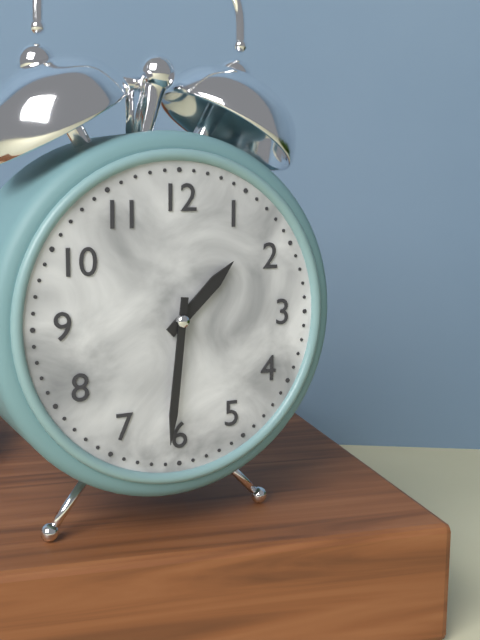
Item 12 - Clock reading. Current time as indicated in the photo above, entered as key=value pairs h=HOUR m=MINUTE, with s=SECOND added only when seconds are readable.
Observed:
h=1 m=31
